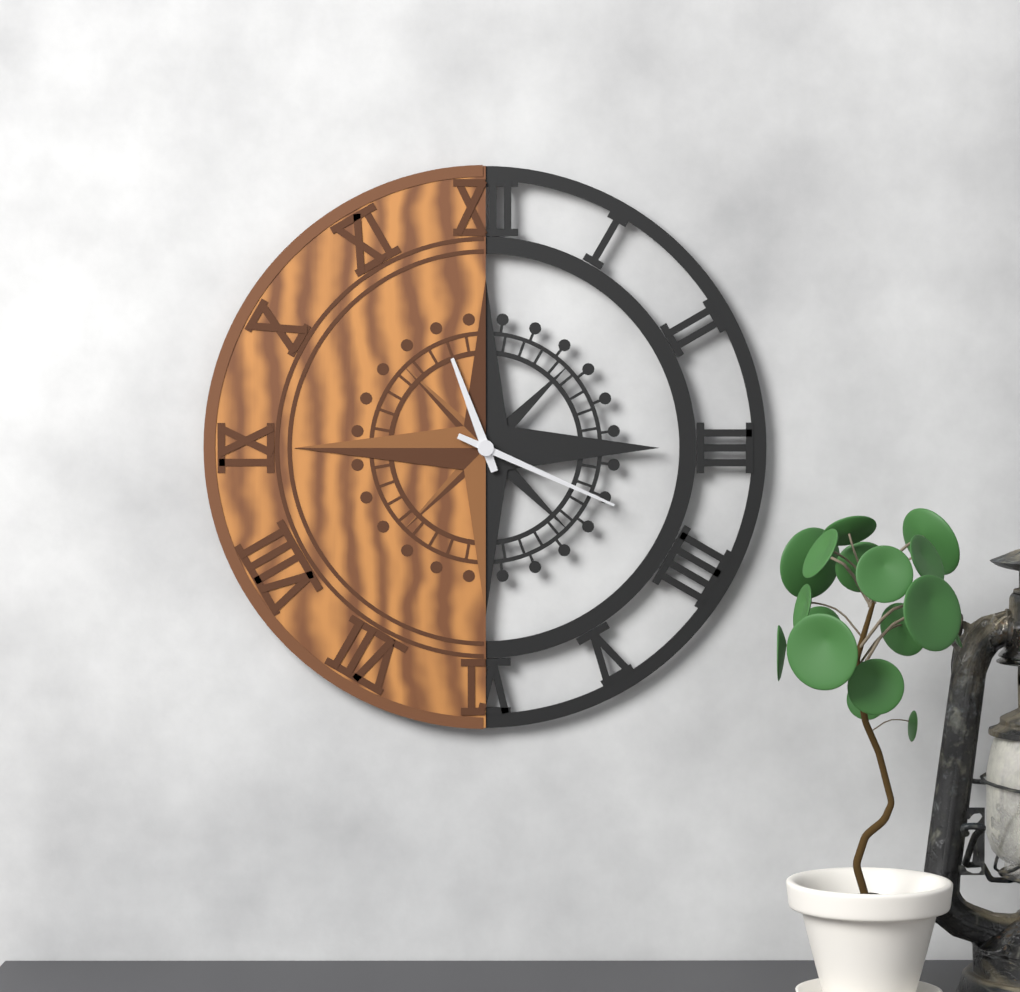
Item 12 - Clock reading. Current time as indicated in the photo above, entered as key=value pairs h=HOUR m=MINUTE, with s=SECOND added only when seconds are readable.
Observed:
h=11 m=19
